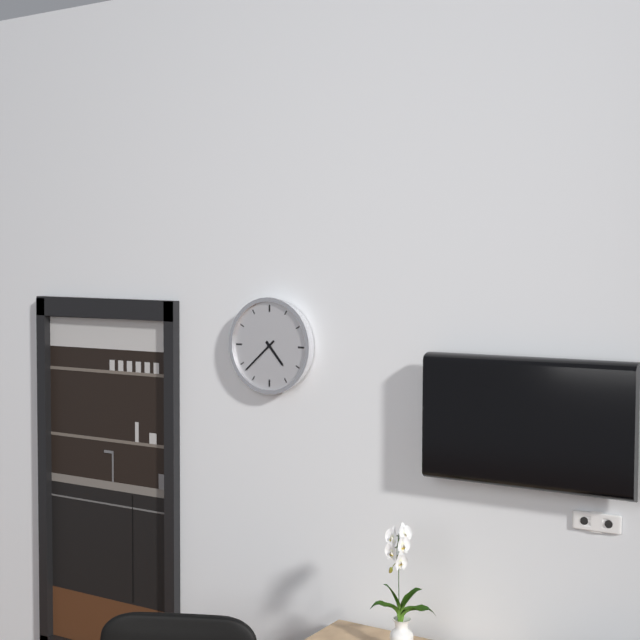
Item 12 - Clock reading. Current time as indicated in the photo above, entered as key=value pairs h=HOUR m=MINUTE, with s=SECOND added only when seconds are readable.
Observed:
h=4 m=38
